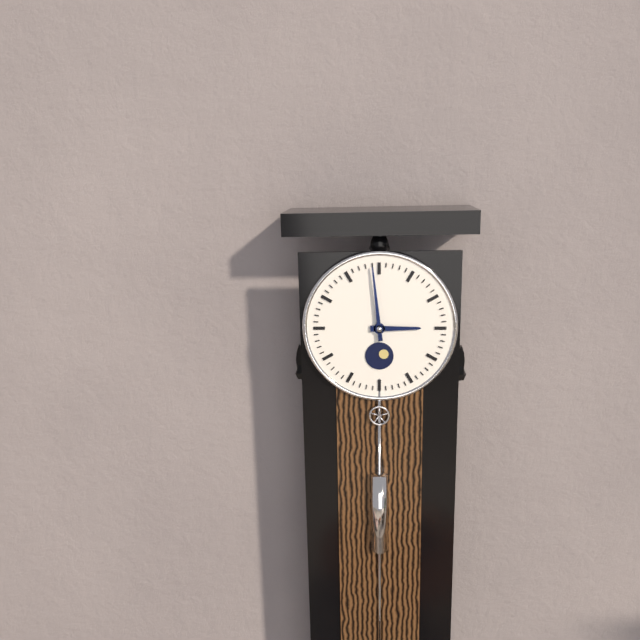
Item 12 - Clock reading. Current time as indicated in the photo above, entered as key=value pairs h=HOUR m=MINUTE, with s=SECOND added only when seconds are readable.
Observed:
h=2 m=59
